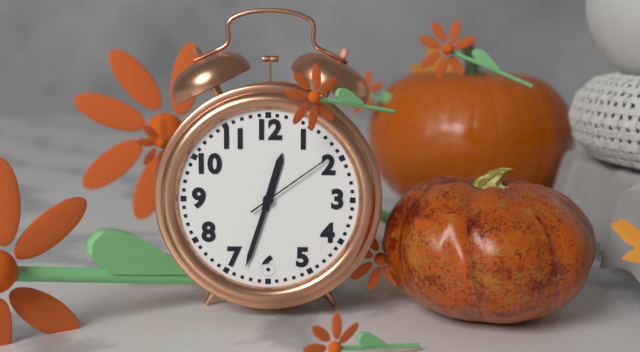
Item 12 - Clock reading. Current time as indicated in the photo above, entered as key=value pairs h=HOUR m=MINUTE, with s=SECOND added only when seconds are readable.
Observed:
h=12 m=33 s=9
